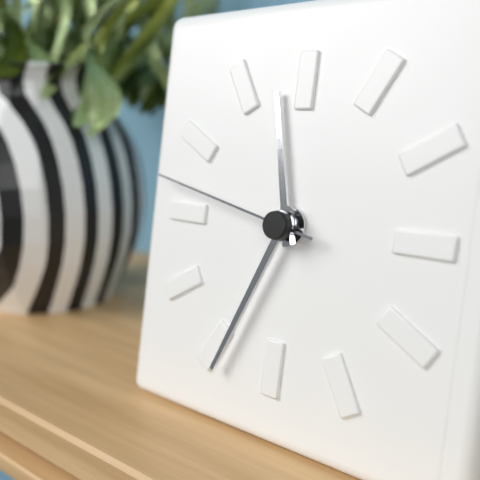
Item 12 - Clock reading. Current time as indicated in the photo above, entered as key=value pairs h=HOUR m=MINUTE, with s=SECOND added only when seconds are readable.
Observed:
h=11 m=34 s=47
